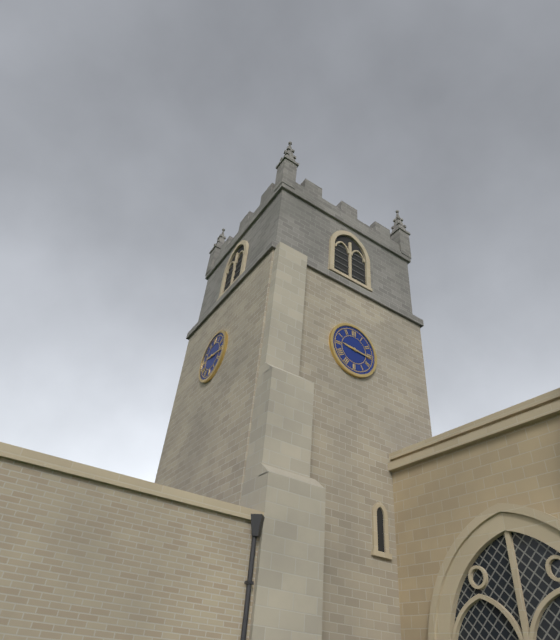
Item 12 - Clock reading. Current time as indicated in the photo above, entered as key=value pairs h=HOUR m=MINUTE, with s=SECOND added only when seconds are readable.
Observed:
h=9 m=16
